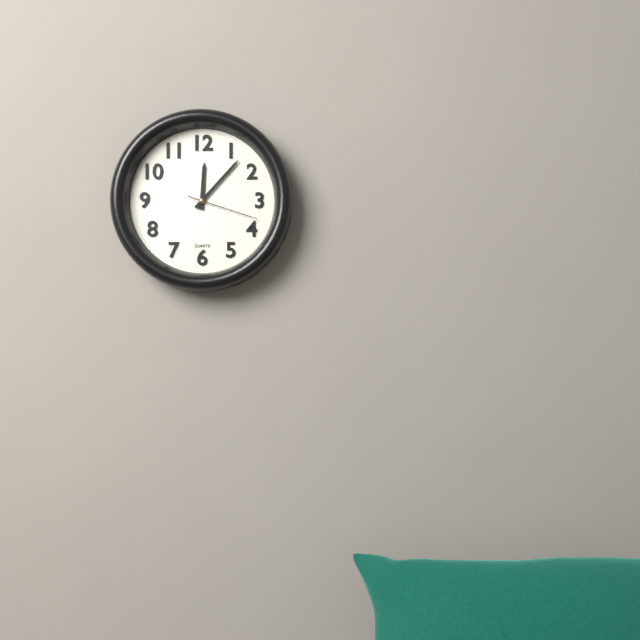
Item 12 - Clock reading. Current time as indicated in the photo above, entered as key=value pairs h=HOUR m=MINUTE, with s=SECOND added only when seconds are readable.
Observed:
h=12 m=7 s=18
